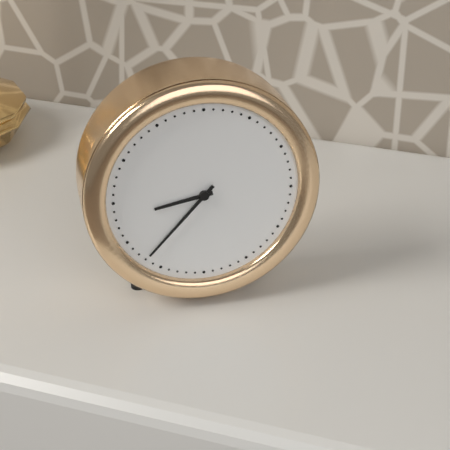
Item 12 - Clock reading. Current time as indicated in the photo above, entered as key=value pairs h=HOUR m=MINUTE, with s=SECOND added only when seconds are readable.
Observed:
h=8 m=37
